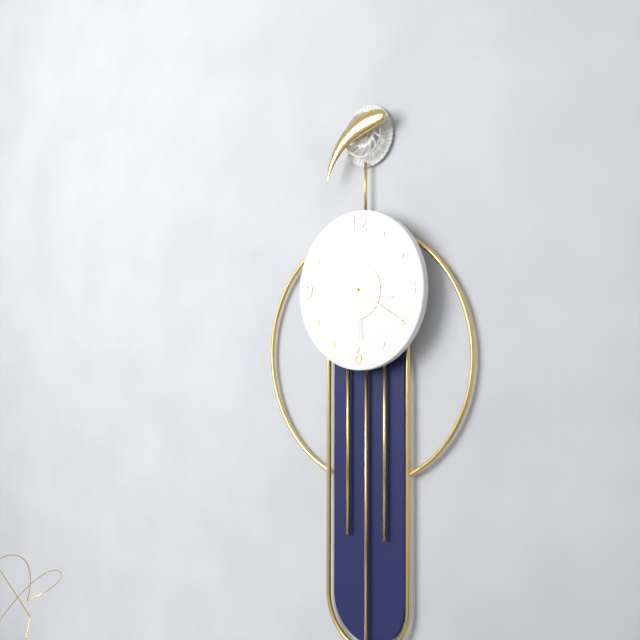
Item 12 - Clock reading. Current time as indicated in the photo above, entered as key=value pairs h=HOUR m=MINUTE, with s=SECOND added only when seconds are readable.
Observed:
h=3 m=20 s=29
